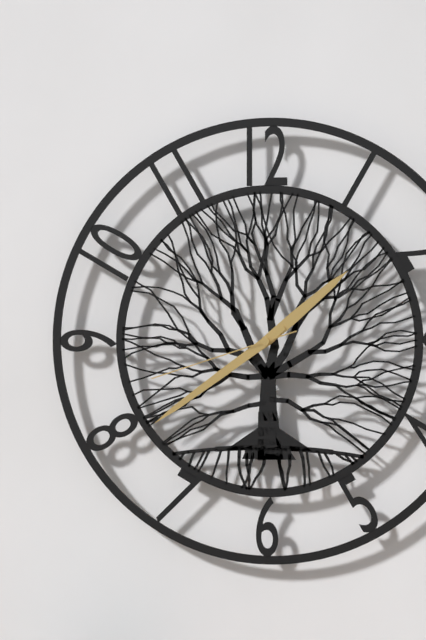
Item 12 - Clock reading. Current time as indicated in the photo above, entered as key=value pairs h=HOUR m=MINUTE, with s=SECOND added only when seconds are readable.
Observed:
h=1 m=39 s=42
